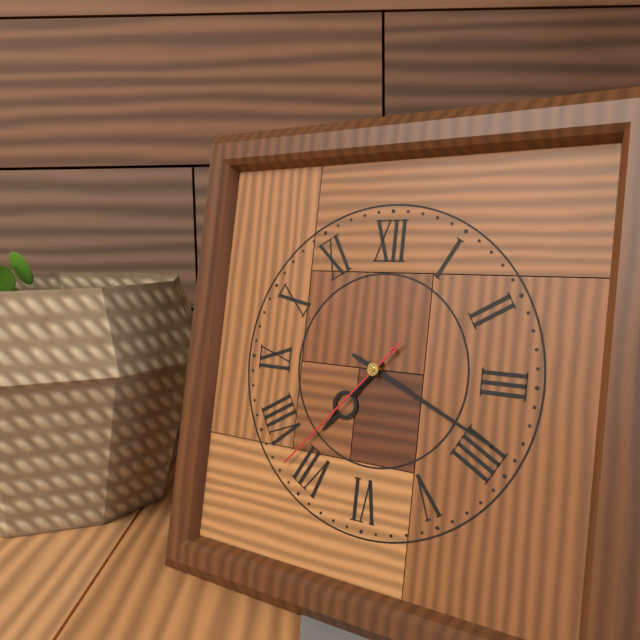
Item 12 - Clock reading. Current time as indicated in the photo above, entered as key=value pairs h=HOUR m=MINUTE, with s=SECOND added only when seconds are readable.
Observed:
h=7 m=19 s=37
